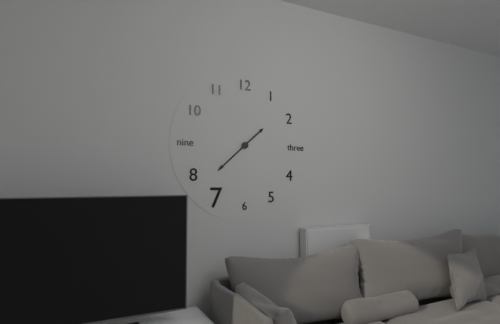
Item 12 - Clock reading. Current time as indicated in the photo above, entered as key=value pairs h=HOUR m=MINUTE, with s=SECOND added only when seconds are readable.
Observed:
h=1 m=38
